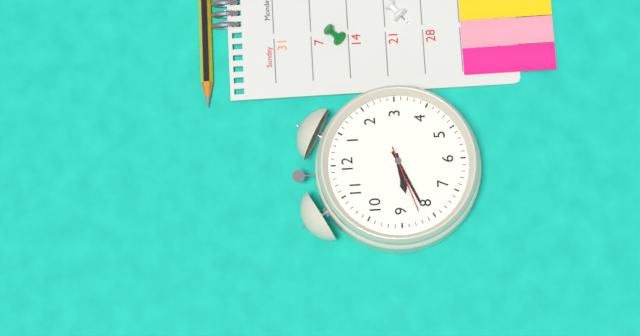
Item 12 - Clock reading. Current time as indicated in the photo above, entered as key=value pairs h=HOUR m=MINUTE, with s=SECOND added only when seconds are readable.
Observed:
h=8 m=41 s=42
